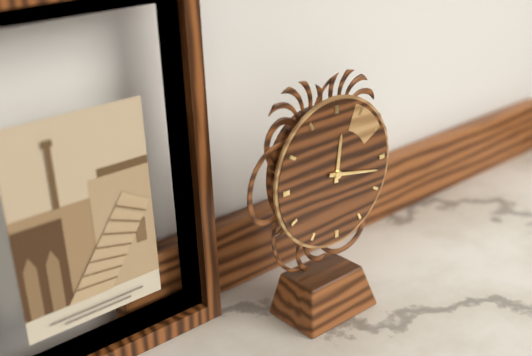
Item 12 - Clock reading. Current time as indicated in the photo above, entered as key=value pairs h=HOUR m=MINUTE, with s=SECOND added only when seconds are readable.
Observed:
h=12 m=17
